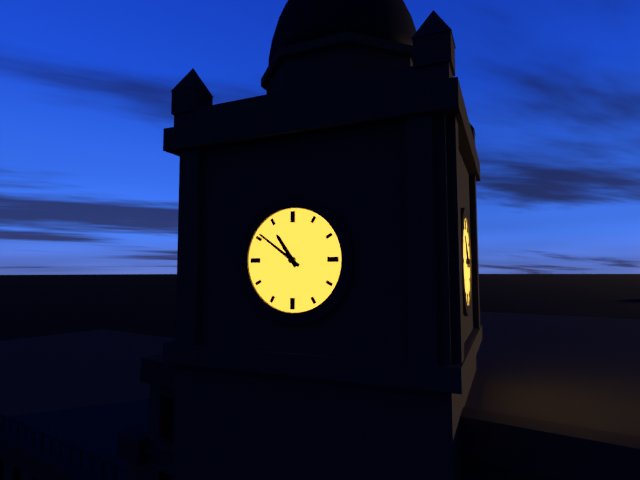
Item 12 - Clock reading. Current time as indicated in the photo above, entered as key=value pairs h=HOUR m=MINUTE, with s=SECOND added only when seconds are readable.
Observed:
h=10 m=51
